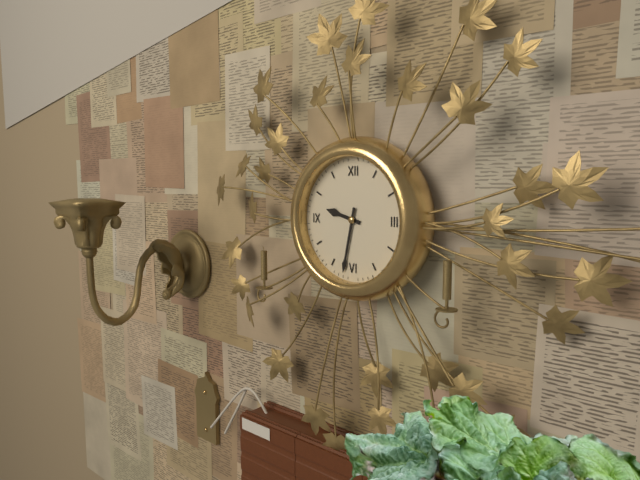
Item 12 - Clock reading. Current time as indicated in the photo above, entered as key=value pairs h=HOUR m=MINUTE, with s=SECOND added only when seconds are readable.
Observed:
h=9 m=32
